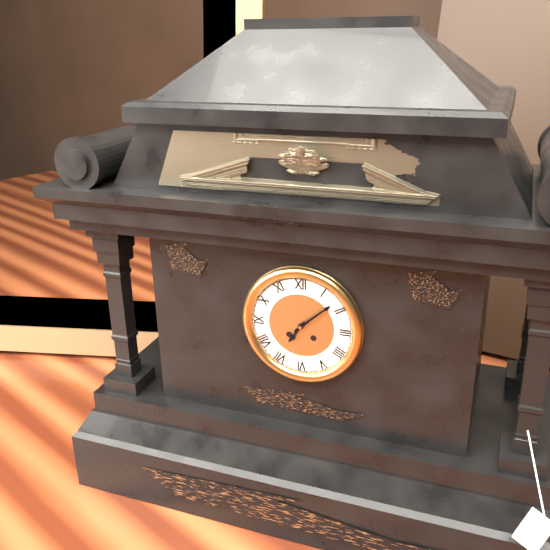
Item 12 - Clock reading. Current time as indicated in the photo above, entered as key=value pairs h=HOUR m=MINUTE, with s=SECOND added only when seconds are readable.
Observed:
h=7 m=8
